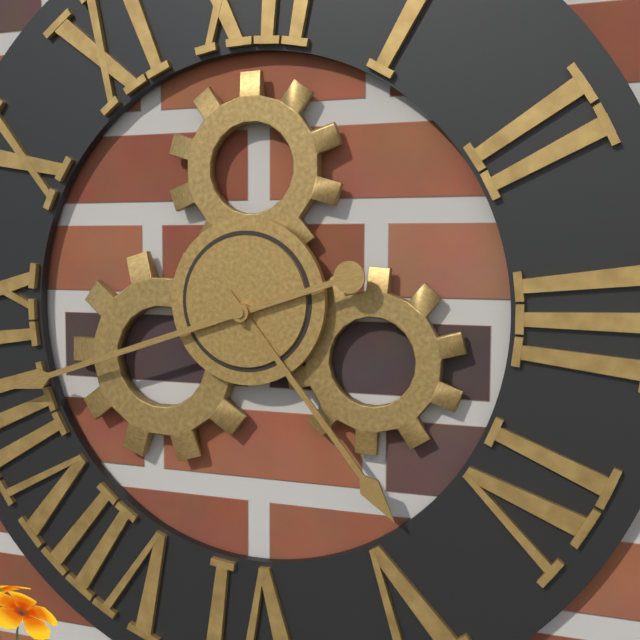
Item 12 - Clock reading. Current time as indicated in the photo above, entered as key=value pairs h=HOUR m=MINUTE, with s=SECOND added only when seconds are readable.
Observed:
h=4 m=42
